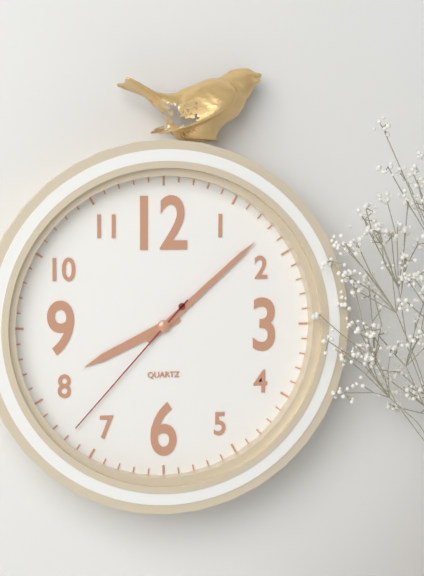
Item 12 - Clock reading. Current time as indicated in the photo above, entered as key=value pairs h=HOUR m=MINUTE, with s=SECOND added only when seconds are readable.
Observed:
h=8 m=8 s=37
